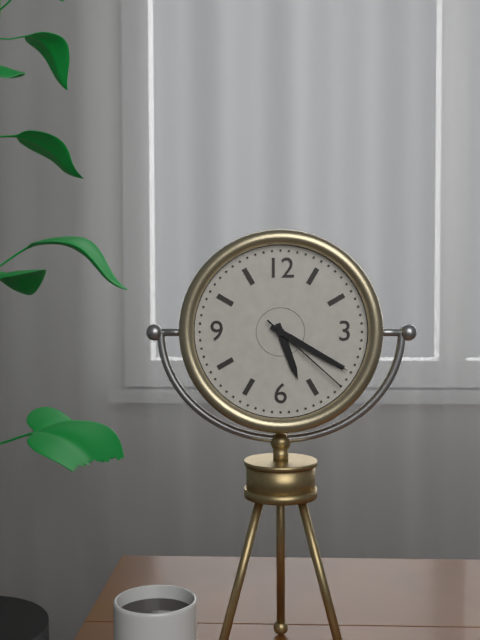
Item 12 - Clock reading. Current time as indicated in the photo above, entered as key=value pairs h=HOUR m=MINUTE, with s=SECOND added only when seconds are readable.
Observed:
h=5 m=20 s=22
